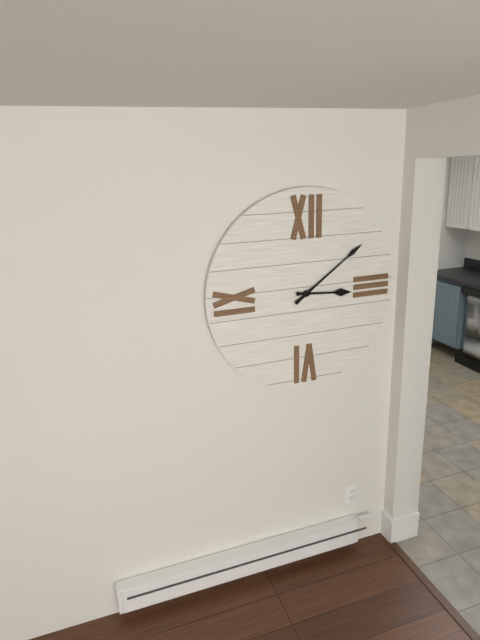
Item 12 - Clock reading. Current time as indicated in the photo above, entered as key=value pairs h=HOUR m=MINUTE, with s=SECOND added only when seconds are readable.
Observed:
h=3 m=9
